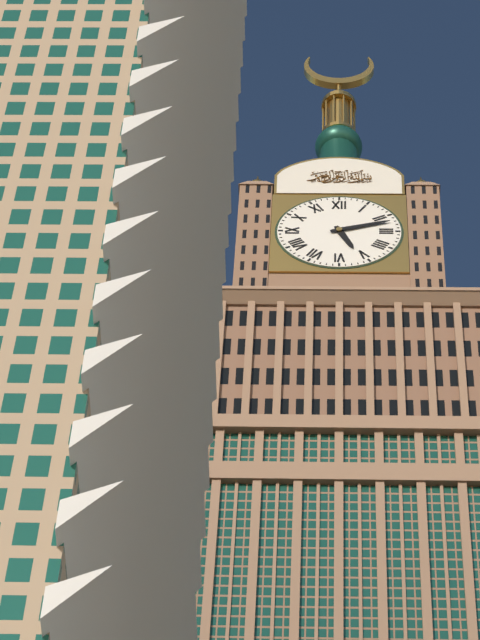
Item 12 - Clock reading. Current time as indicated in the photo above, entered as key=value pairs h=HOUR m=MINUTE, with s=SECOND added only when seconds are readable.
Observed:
h=5 m=12
